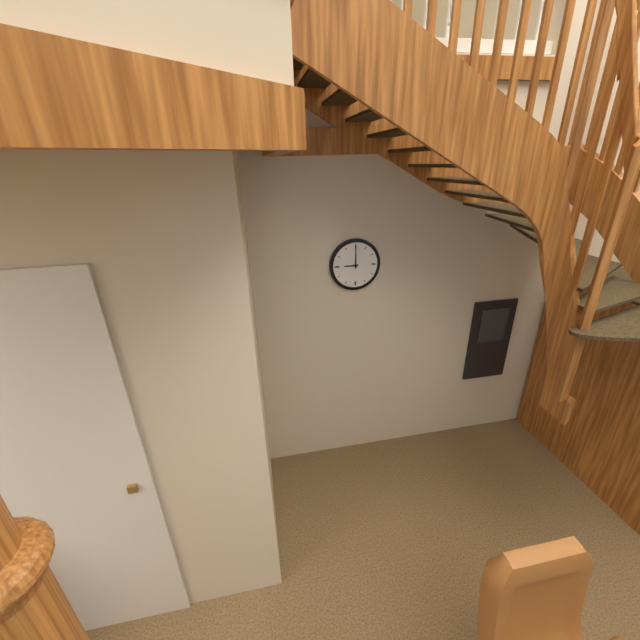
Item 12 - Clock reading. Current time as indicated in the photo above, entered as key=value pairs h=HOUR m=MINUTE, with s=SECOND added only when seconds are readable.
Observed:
h=9 m=0
